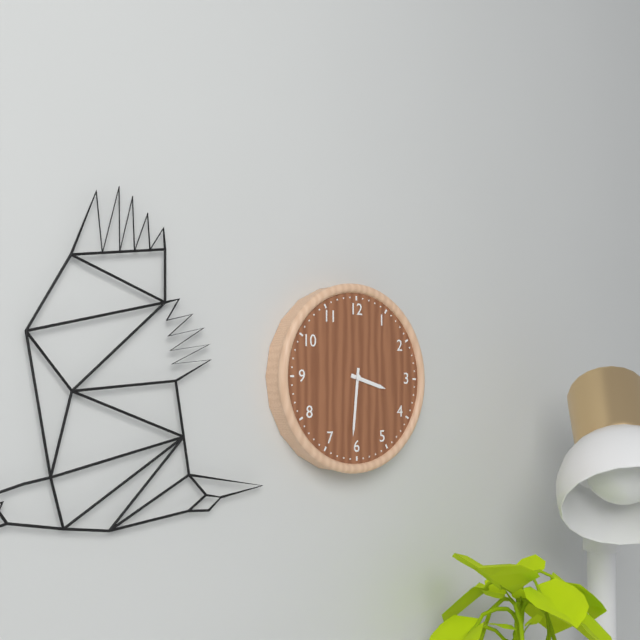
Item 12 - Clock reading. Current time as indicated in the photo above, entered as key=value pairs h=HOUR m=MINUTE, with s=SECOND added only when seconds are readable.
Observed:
h=3 m=31
